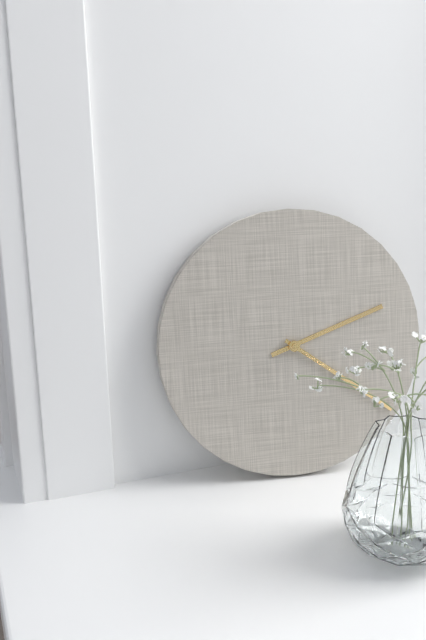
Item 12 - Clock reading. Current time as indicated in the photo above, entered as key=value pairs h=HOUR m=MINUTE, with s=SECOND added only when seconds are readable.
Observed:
h=2 m=21
